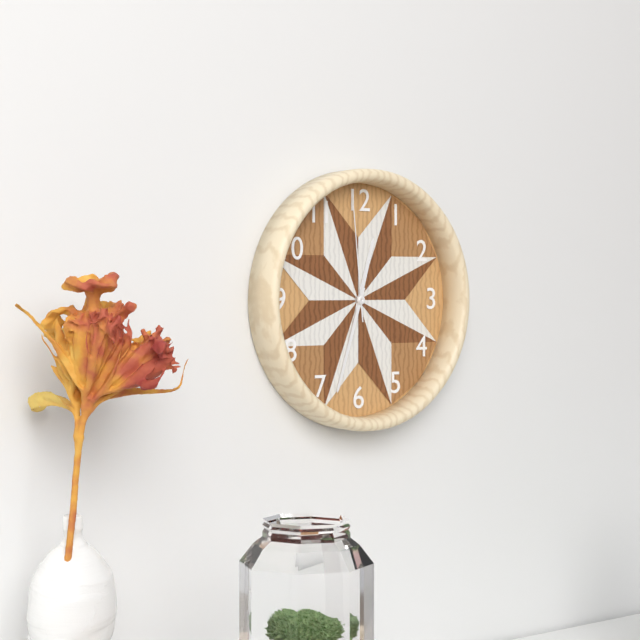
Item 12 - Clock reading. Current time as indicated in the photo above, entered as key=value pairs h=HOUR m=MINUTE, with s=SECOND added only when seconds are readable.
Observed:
h=12 m=33 s=59
